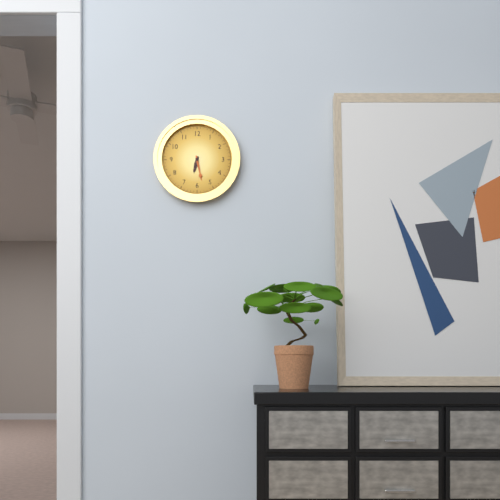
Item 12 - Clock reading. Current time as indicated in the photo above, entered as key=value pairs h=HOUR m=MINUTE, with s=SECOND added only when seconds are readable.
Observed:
h=6 m=28
